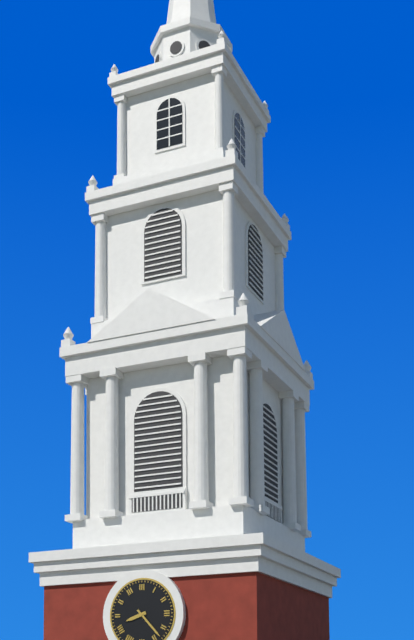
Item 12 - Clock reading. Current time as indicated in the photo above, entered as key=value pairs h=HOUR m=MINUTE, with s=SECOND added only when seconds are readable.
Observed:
h=8 m=23
